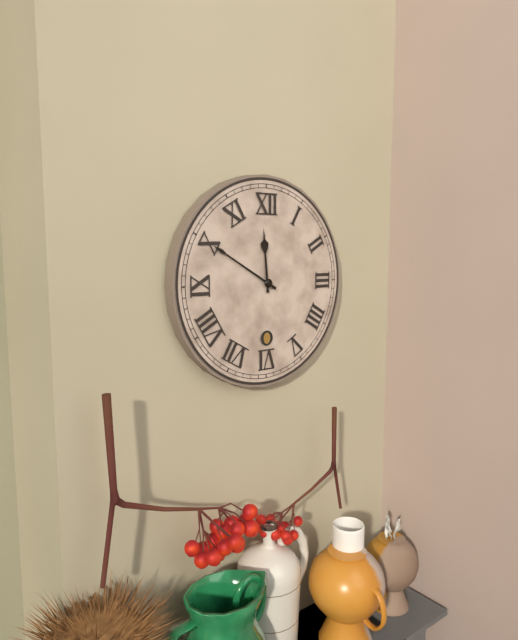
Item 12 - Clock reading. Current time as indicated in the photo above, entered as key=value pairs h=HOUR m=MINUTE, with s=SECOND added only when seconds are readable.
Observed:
h=11 m=50
